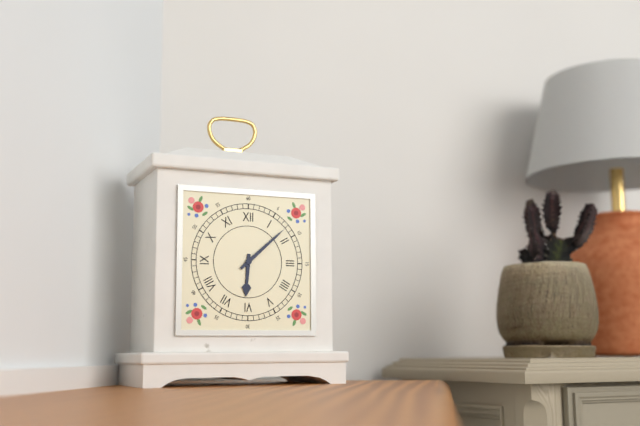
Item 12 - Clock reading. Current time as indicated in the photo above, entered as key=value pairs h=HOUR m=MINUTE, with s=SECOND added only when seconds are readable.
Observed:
h=6 m=8
